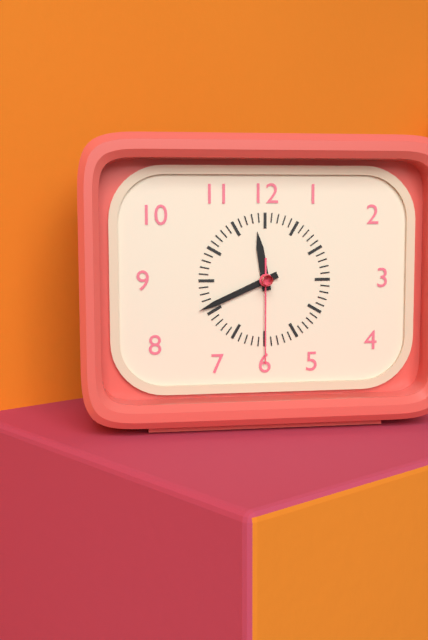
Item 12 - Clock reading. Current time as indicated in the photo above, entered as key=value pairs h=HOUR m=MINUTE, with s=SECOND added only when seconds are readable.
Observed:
h=11 m=41 s=30
